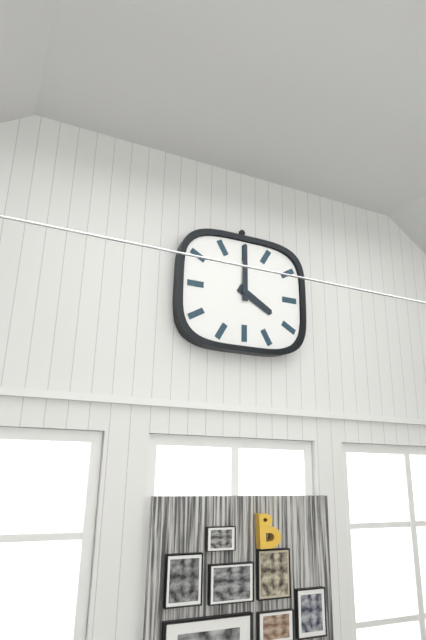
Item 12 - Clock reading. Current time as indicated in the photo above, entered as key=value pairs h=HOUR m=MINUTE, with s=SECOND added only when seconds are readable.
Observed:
h=4 m=0
